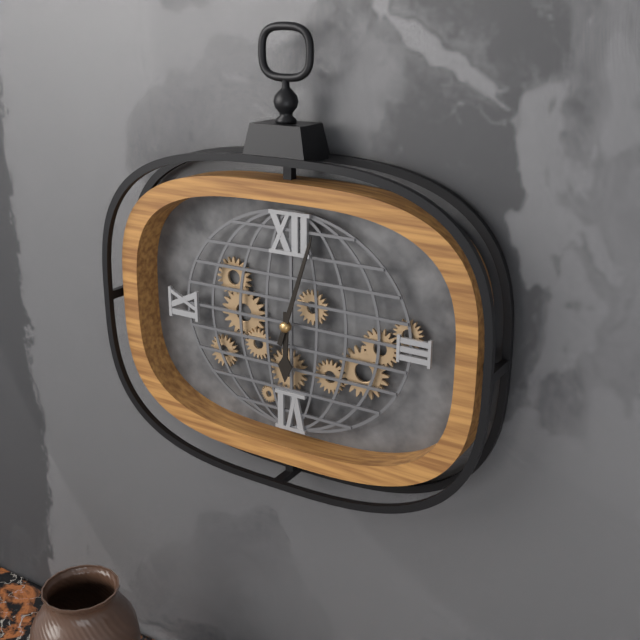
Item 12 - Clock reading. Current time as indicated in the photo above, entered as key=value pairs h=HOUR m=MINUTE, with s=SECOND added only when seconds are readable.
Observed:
h=6 m=3
